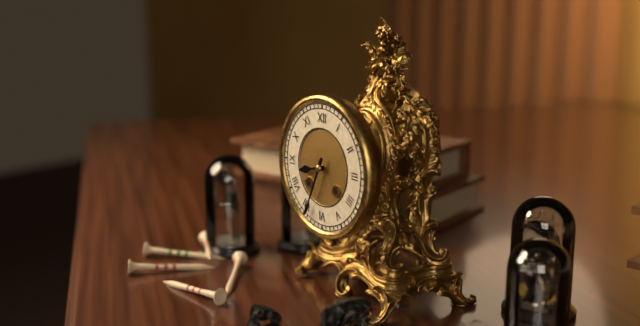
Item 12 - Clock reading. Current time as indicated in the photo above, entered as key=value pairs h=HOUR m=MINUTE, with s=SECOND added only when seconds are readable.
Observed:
h=8 m=34
